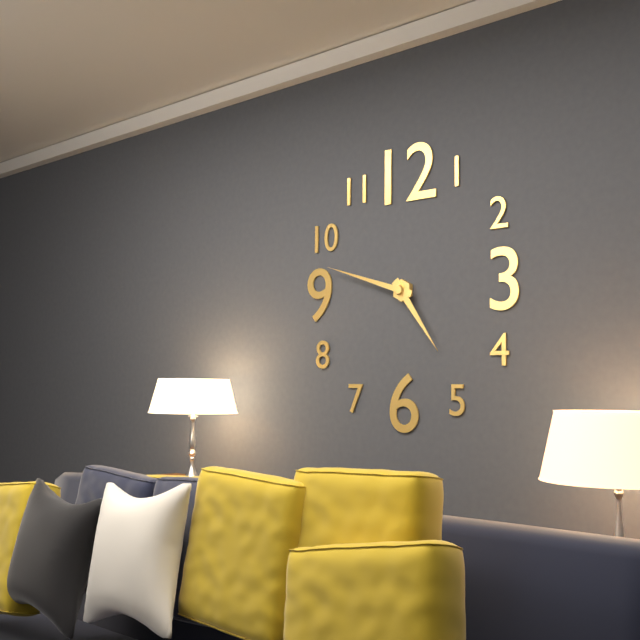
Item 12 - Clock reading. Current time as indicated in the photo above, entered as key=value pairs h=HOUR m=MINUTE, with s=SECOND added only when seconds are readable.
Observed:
h=4 m=48
